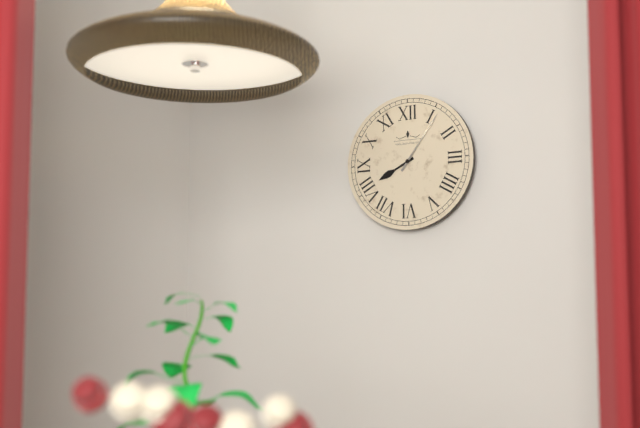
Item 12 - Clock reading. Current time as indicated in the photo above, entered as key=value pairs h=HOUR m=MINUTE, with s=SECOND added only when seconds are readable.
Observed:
h=8 m=6
